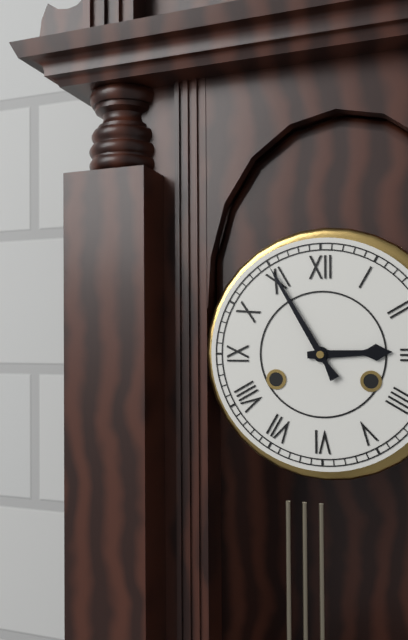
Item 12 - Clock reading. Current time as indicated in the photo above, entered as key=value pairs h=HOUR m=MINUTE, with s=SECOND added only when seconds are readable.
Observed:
h=2 m=55
